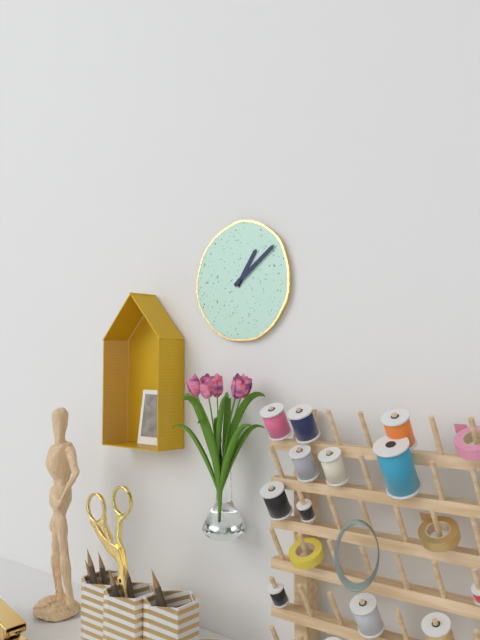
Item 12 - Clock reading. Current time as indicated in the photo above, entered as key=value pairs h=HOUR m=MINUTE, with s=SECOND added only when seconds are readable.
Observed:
h=1 m=9
